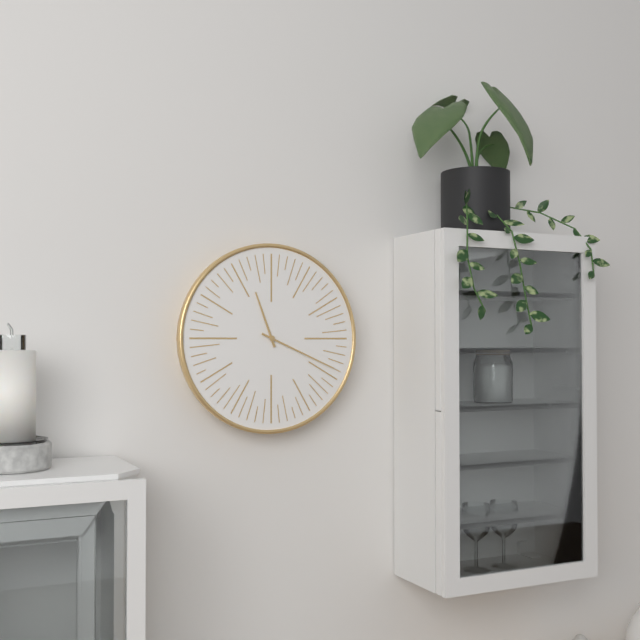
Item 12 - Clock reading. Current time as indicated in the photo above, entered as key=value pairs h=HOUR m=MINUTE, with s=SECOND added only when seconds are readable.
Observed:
h=11 m=19
